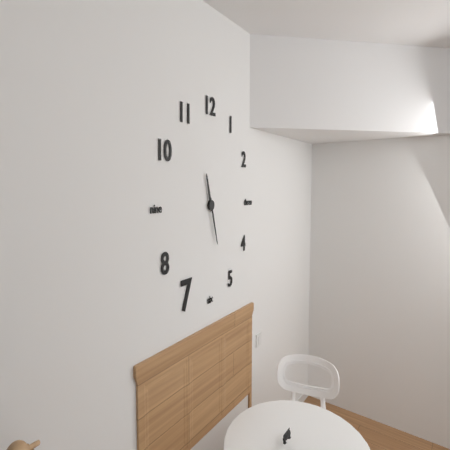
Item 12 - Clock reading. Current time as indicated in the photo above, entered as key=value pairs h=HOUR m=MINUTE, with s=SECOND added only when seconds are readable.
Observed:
h=11 m=27
